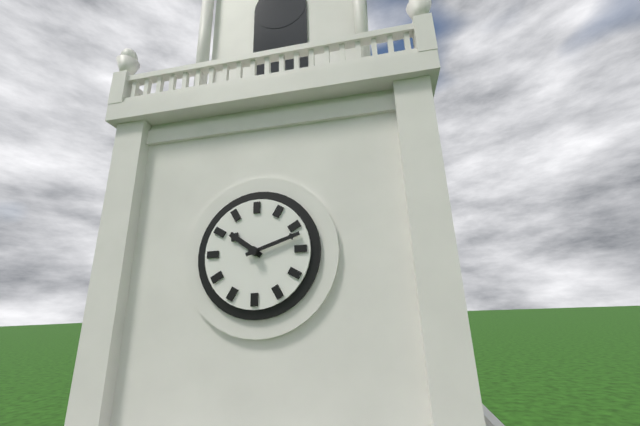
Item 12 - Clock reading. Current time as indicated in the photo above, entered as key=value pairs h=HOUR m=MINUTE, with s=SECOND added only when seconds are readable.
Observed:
h=10 m=12
